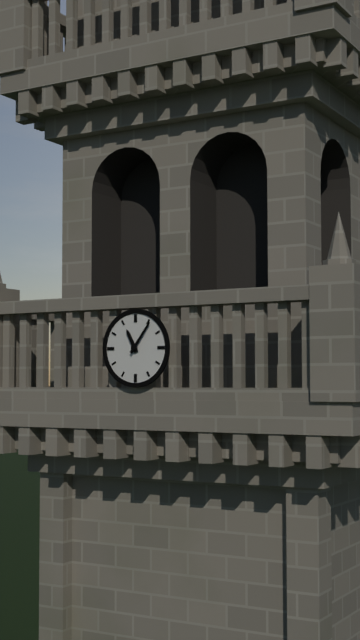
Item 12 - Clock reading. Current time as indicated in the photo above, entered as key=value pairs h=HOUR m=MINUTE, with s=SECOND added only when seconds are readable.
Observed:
h=11 m=6
